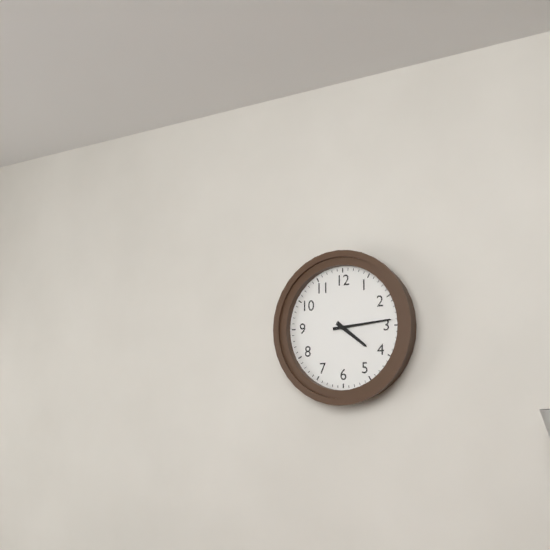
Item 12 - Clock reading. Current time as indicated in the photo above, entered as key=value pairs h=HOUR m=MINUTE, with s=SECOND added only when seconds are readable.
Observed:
h=4 m=14
